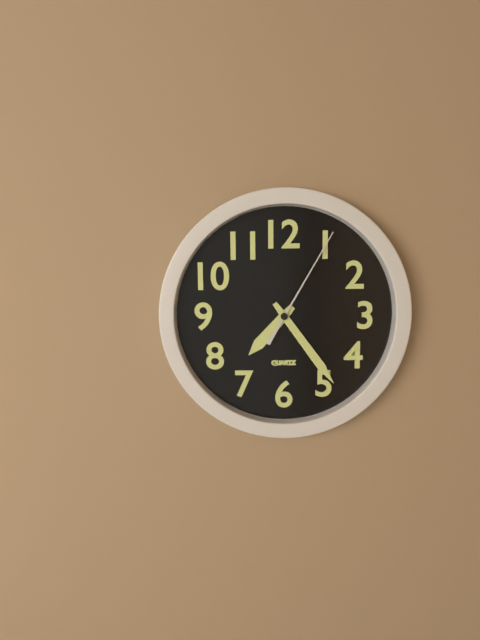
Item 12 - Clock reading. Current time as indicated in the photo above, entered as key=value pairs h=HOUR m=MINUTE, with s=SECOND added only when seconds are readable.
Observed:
h=7 m=24 s=5
